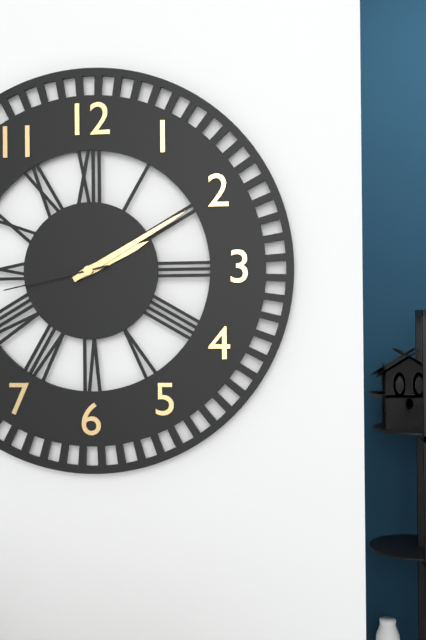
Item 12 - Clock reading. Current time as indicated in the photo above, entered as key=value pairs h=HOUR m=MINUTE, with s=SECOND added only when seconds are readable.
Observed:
h=2 m=10 s=43
